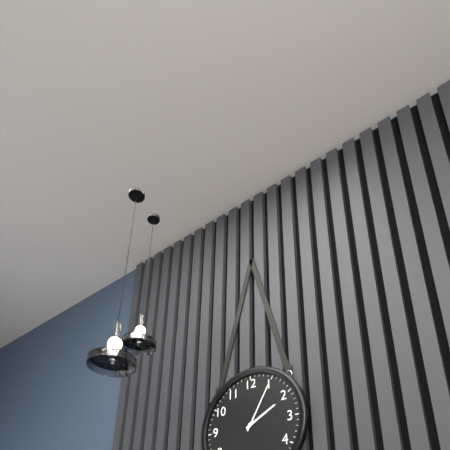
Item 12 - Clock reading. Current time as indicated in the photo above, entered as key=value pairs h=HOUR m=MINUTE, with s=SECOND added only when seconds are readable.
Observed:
h=2 m=5
